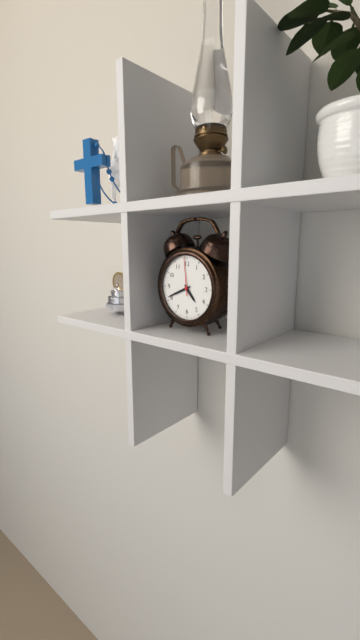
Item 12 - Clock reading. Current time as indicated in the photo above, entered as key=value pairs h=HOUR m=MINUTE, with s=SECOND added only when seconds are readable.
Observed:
h=4 m=41
